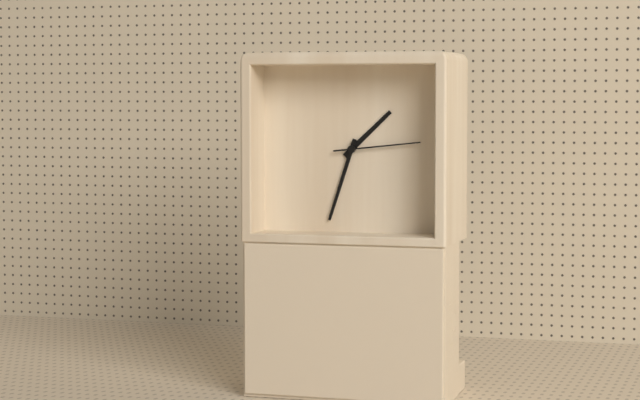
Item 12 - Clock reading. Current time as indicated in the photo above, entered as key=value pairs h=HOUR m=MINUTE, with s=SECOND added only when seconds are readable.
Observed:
h=1 m=33 s=14
